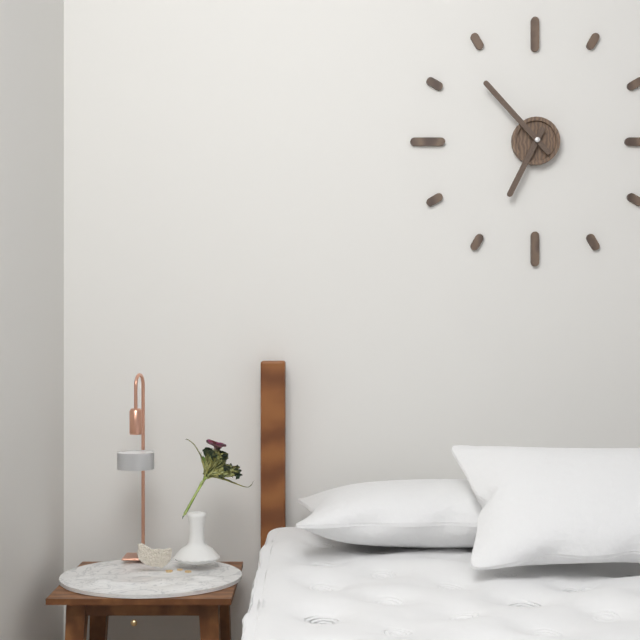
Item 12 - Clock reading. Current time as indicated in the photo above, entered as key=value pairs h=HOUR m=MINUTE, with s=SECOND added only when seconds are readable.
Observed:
h=6 m=53
